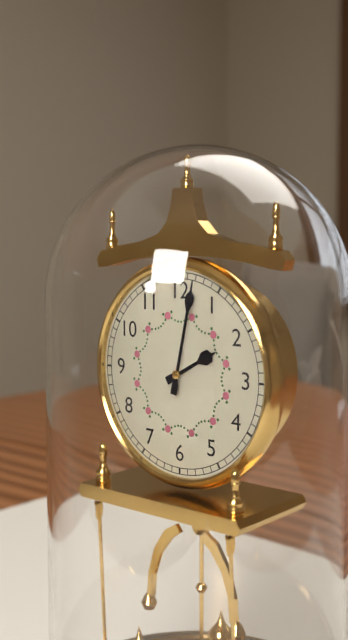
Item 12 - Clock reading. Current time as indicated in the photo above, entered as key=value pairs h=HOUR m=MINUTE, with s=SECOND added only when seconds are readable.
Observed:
h=2 m=2
